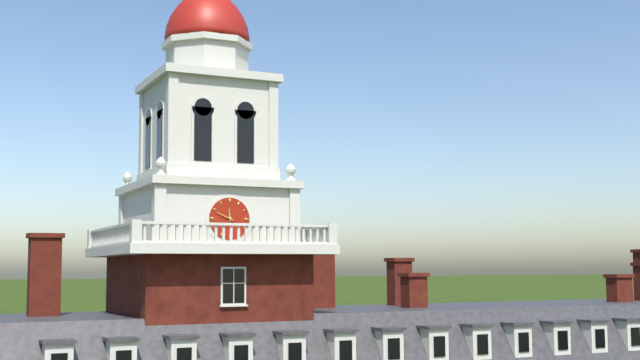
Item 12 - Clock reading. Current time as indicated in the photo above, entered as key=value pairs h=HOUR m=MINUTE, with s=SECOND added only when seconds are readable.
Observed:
h=11 m=49
